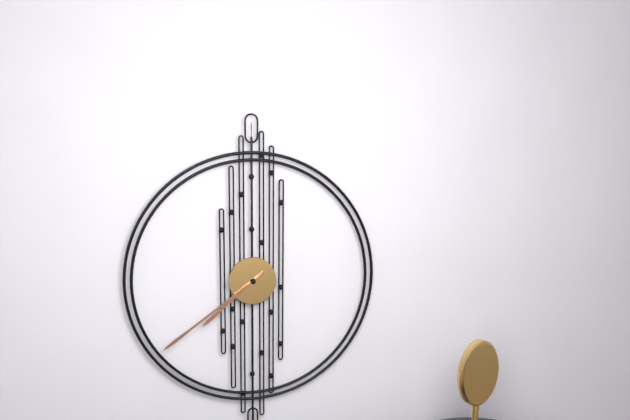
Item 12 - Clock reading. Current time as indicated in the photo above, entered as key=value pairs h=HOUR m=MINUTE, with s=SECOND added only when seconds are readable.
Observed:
h=7 m=39
